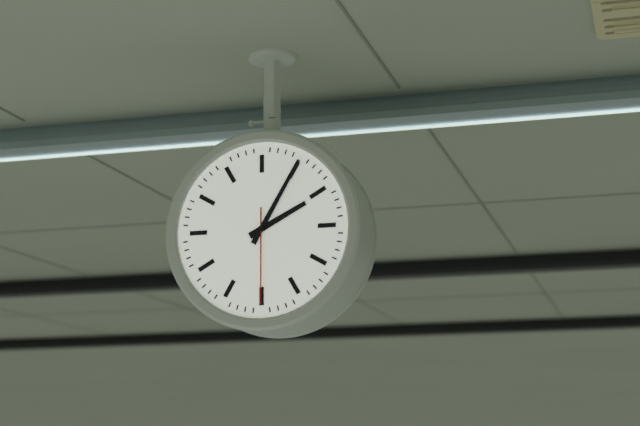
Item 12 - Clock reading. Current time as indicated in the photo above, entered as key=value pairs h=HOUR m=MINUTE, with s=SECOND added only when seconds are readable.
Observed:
h=2 m=5 s=30
